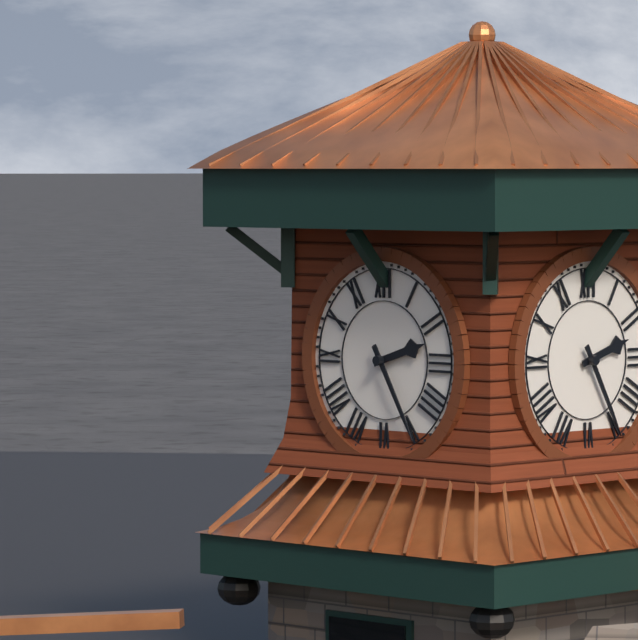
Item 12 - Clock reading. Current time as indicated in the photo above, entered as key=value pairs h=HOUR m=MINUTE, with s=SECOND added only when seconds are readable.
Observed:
h=2 m=25
